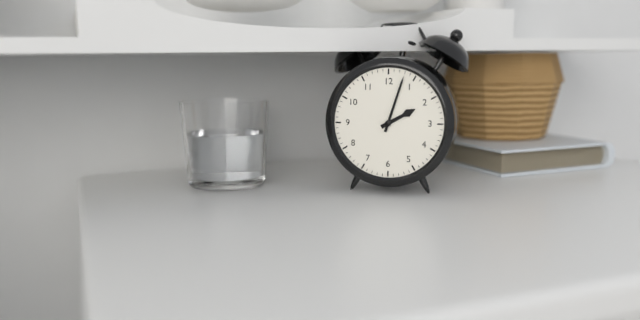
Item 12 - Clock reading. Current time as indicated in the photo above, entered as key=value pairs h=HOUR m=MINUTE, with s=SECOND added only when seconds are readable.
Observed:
h=2 m=3
